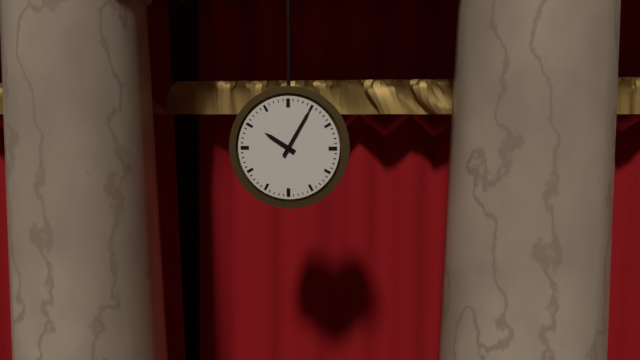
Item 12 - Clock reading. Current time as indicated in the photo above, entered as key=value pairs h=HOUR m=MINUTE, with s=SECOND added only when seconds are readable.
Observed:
h=10 m=5
